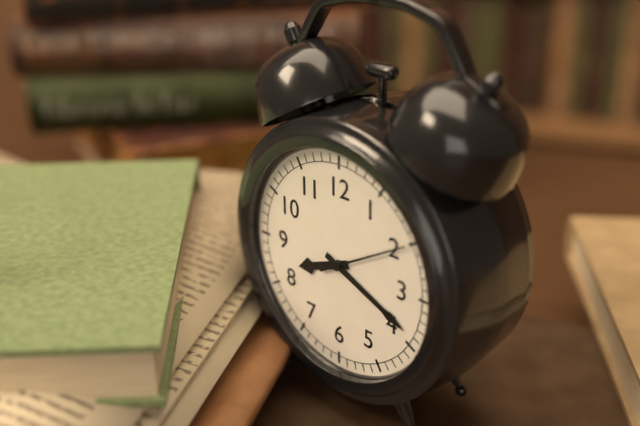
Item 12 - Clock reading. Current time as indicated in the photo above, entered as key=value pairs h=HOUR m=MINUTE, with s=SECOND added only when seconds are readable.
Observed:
h=8 m=19 s=10
